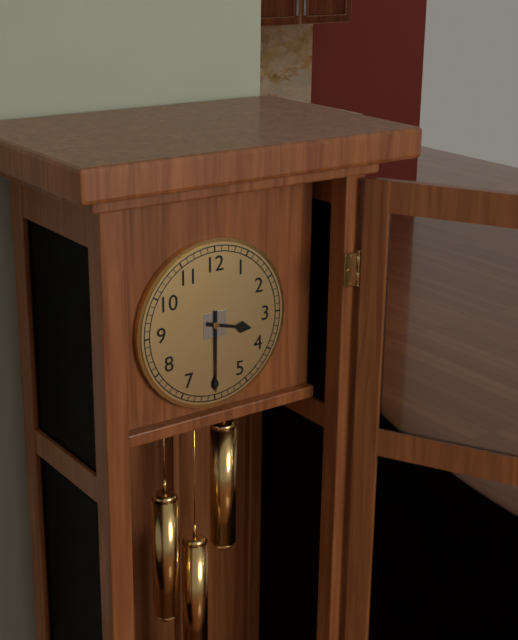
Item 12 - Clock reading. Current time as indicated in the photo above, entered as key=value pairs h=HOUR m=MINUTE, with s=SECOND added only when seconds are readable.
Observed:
h=3 m=30
